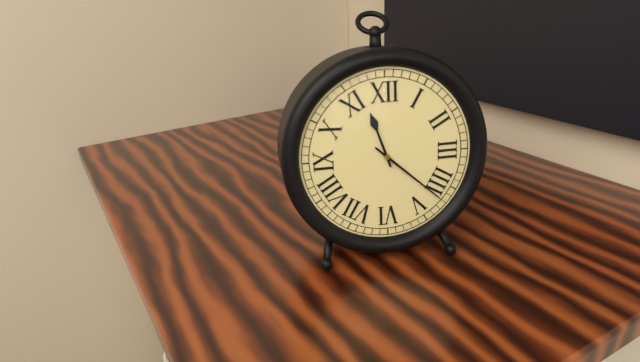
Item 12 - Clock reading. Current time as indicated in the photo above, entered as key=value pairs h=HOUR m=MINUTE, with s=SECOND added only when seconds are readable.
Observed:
h=11 m=22
